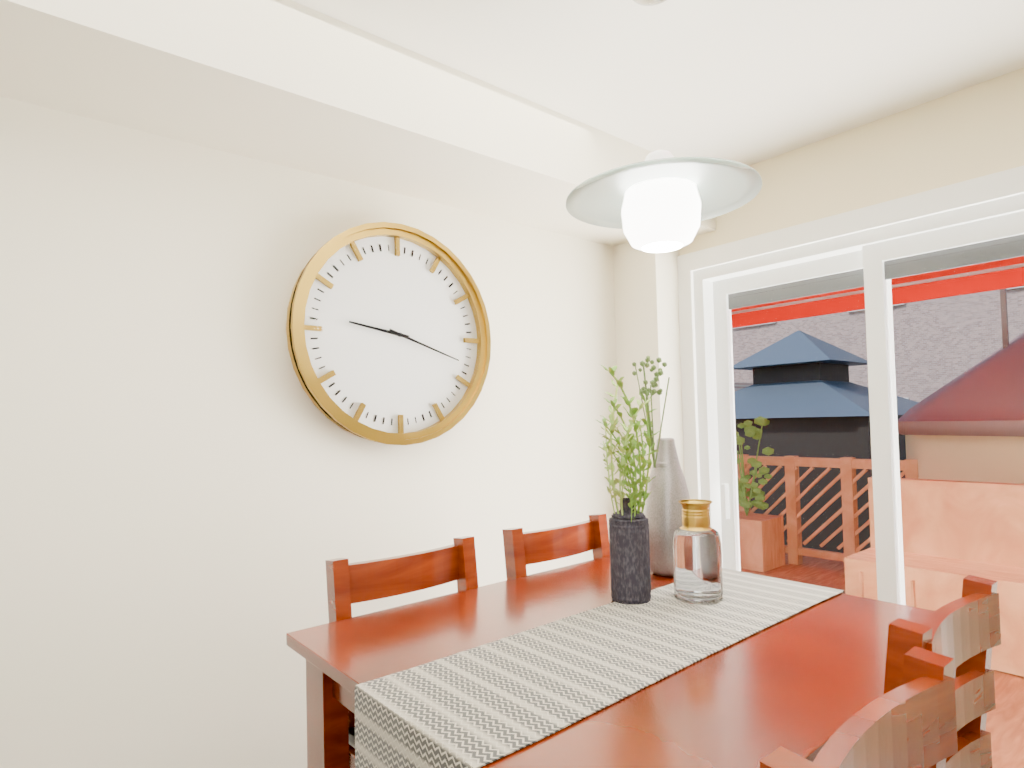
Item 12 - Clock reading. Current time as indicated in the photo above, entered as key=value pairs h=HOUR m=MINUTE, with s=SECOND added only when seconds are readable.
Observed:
h=9 m=18
